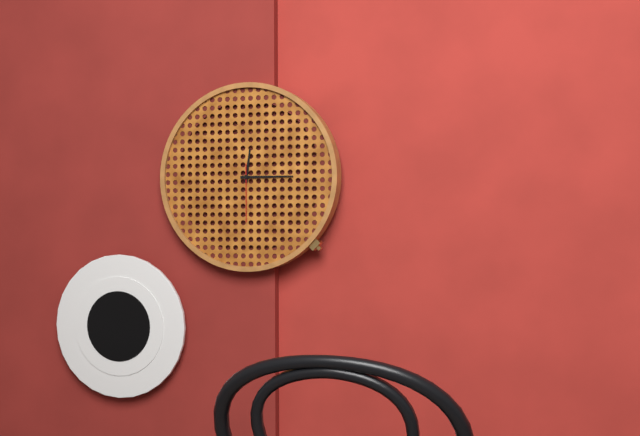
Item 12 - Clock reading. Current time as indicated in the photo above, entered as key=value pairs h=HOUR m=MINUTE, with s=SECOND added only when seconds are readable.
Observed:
h=12 m=15 s=30
